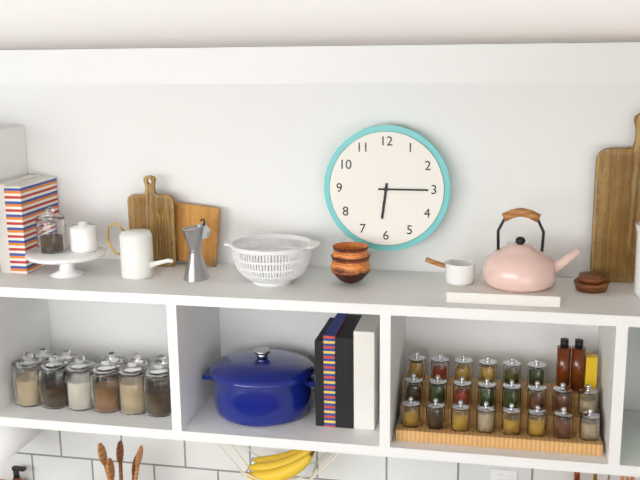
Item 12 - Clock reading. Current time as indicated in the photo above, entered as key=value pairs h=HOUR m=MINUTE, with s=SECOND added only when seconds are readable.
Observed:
h=6 m=15
